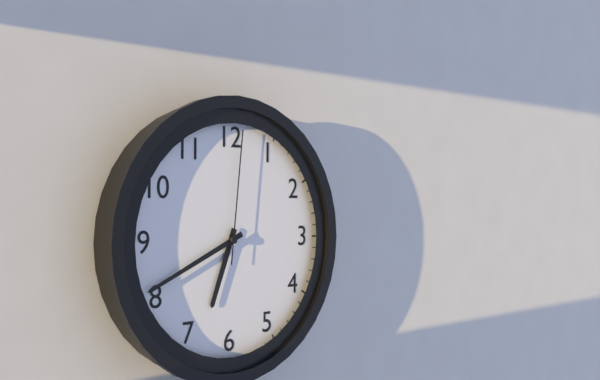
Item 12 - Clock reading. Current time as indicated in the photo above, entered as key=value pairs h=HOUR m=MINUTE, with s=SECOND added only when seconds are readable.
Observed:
h=6 m=41 s=1
